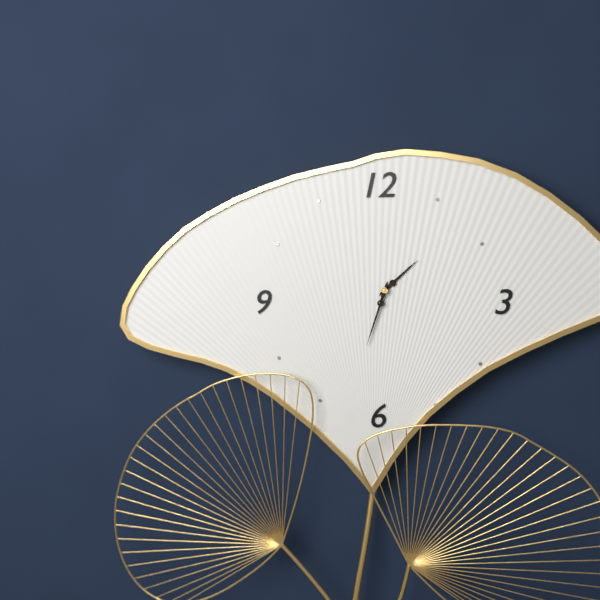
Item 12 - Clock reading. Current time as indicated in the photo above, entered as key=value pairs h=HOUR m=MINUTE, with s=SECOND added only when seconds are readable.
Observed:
h=1 m=33
